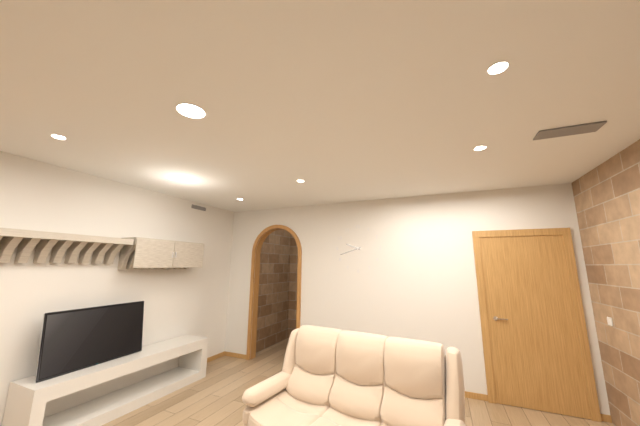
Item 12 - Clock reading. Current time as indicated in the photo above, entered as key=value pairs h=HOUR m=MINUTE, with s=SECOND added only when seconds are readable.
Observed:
h=9 m=42
